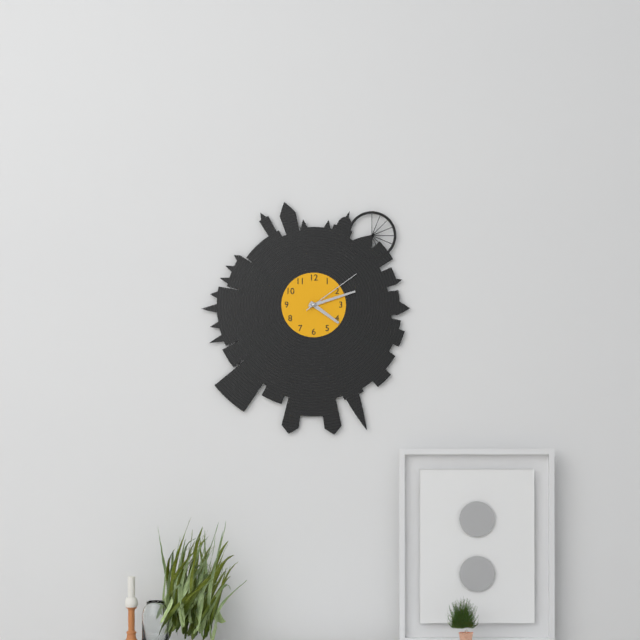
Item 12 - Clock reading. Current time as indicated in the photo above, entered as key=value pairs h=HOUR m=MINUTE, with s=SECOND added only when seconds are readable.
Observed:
h=4 m=12 s=9
